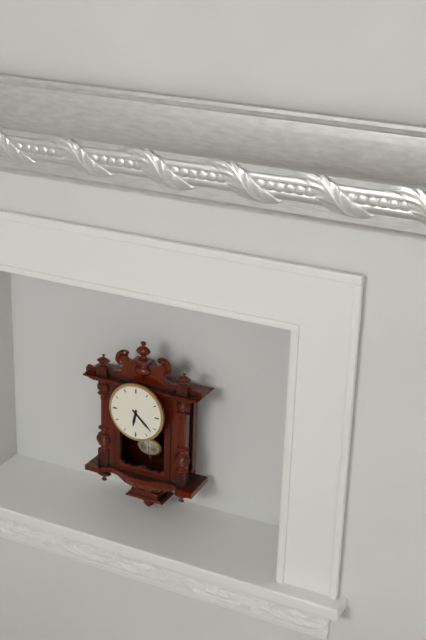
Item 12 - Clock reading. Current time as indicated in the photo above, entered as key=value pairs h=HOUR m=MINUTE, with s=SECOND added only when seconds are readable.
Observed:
h=6 m=22
